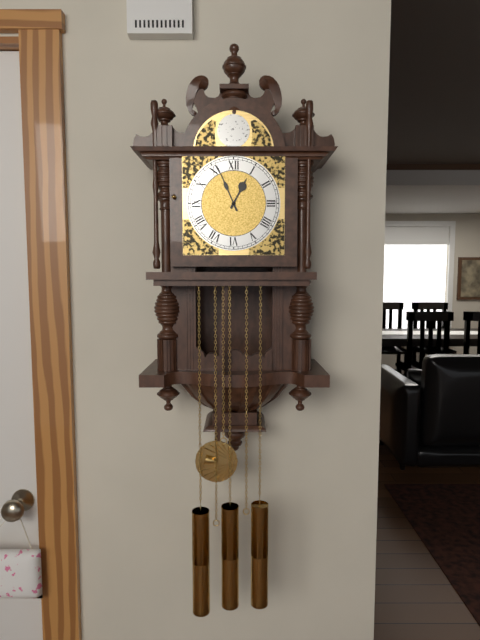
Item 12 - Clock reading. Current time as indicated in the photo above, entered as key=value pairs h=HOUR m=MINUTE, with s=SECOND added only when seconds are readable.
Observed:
h=12 m=56
